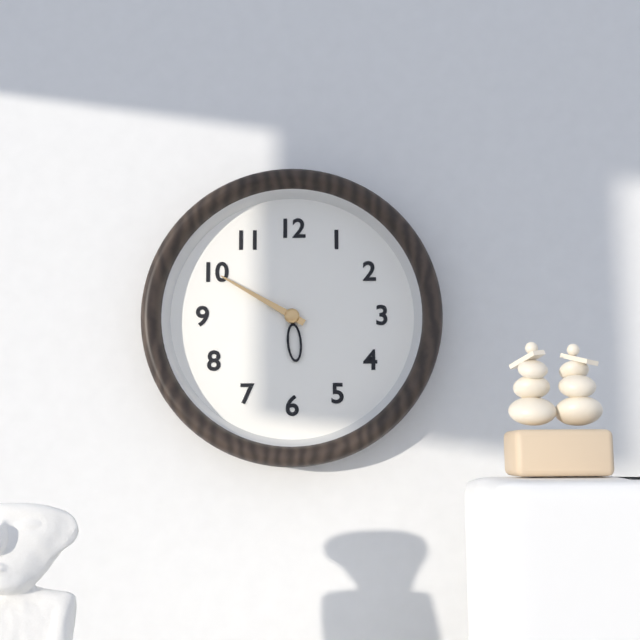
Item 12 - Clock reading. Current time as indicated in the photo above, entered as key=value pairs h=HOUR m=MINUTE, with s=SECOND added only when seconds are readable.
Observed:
h=5 m=50
